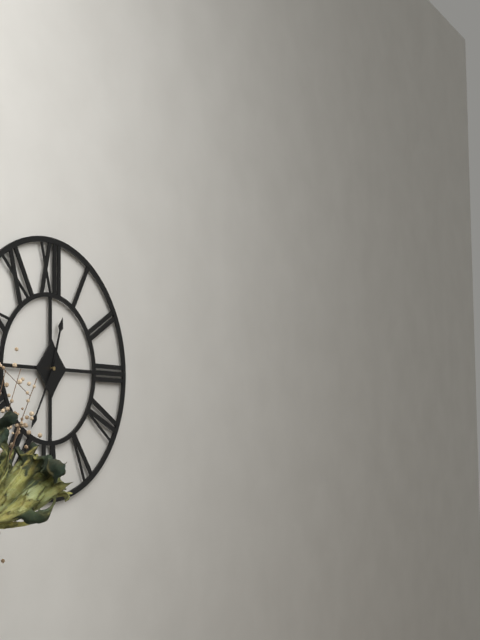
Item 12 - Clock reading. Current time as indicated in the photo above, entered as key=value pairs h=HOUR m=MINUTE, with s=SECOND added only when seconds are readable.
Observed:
h=12 m=35
